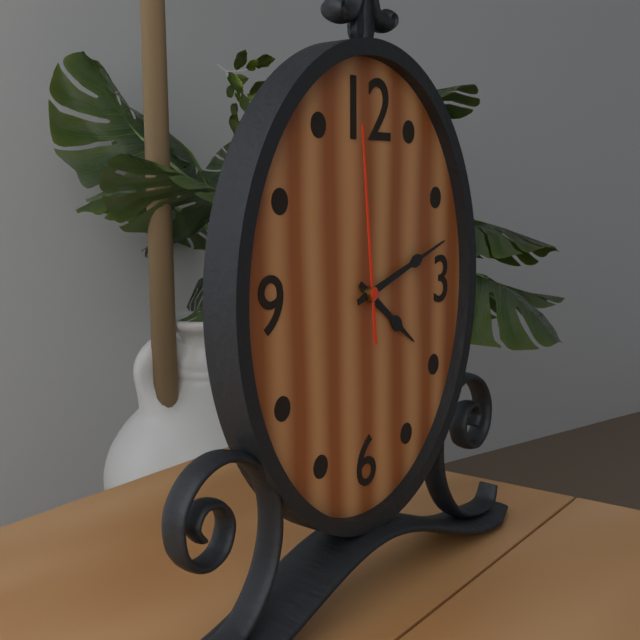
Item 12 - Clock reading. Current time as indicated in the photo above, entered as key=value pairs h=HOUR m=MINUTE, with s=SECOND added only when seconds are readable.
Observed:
h=4 m=12 s=59
